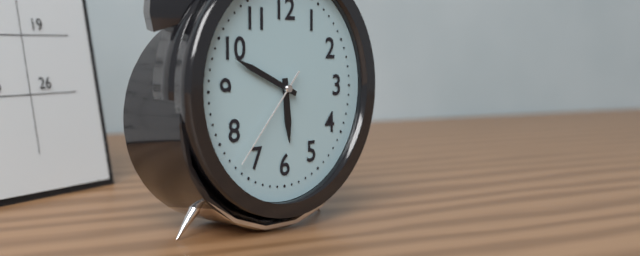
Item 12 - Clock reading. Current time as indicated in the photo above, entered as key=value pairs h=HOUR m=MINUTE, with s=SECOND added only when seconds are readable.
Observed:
h=5 m=49 s=37
